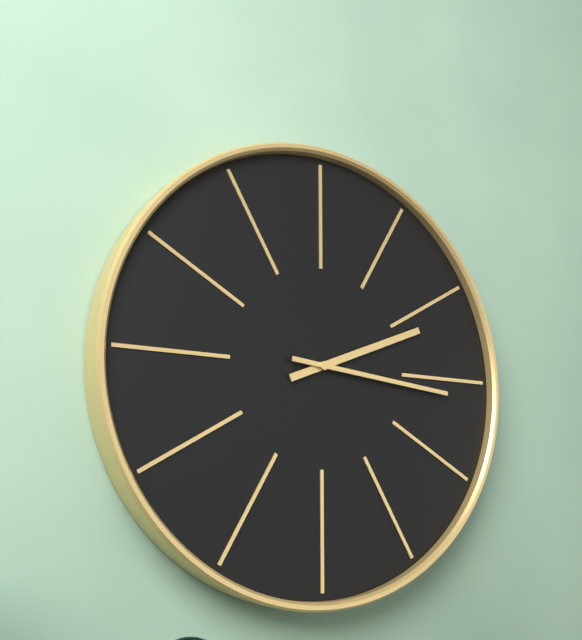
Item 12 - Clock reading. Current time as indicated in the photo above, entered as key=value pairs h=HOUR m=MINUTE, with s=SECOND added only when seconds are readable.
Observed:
h=2 m=16
